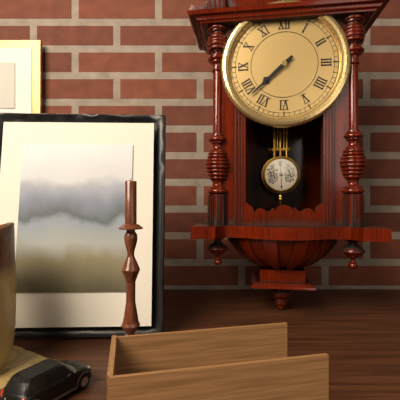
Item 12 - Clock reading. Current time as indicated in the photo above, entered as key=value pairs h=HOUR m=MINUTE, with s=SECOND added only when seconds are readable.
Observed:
h=7 m=38
